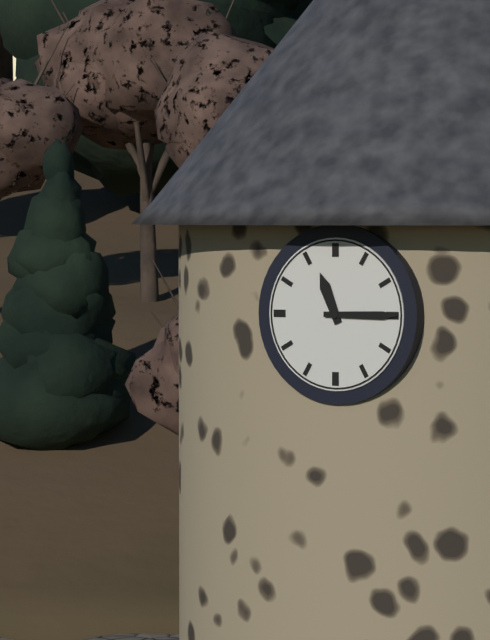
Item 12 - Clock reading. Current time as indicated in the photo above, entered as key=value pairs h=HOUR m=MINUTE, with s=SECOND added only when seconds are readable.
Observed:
h=11 m=15
